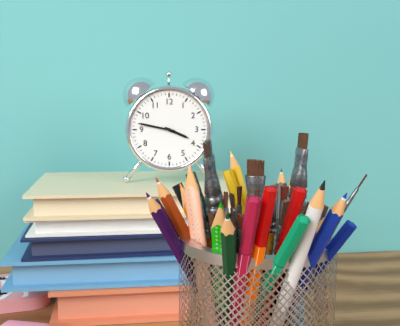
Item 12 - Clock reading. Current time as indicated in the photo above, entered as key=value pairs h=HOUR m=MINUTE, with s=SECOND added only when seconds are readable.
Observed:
h=3 m=47
